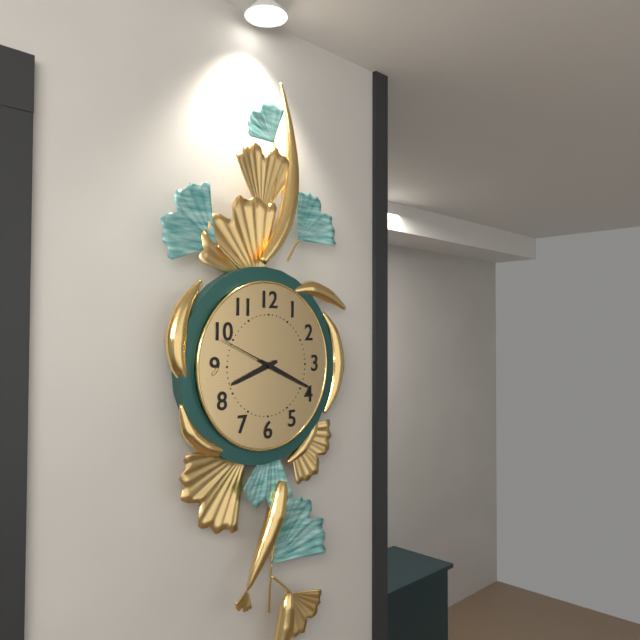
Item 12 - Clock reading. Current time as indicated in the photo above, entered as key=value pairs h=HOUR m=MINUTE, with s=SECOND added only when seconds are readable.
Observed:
h=8 m=19 s=49
